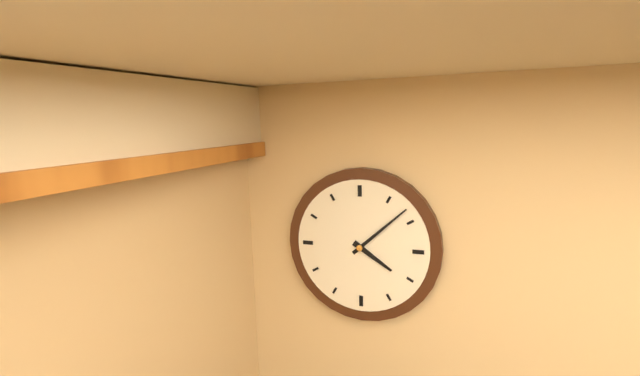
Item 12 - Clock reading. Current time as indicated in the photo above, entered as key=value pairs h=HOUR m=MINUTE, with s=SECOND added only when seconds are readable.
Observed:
h=4 m=8
